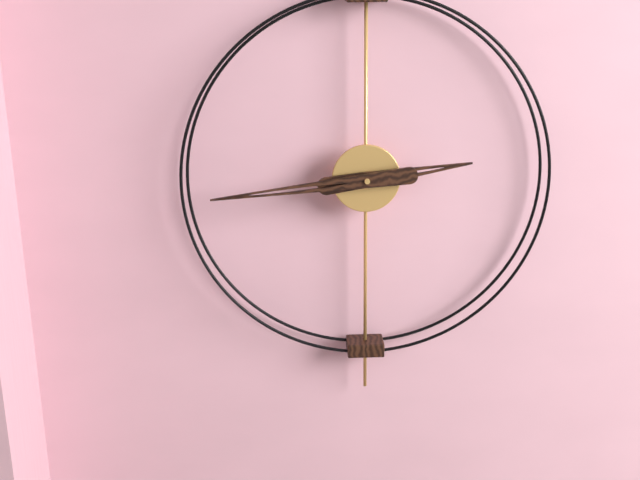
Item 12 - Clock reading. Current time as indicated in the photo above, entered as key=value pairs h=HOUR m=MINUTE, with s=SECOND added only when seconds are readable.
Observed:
h=2 m=44
